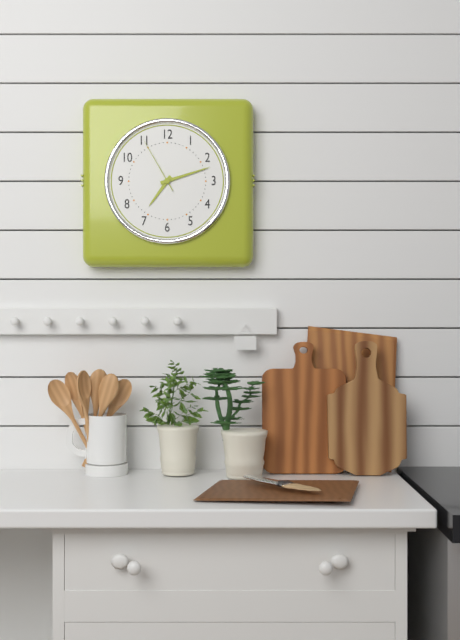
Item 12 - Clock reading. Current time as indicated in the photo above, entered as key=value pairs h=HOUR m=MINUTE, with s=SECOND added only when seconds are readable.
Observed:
h=7 m=12 s=55
